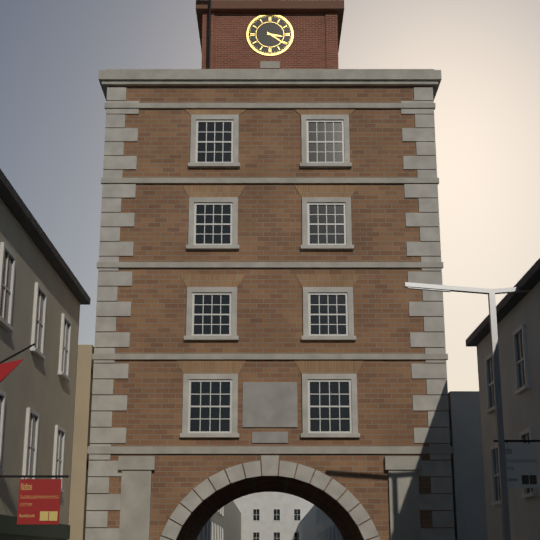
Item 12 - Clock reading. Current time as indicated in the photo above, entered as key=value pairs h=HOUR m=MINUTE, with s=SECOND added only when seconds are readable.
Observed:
h=3 m=21
